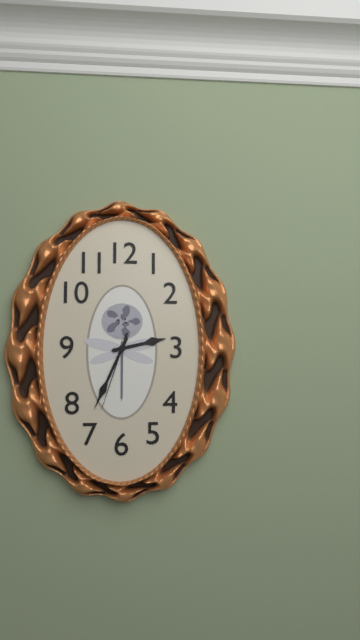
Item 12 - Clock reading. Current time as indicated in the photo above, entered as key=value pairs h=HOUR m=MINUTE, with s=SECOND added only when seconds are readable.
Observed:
h=2 m=34 s=33
